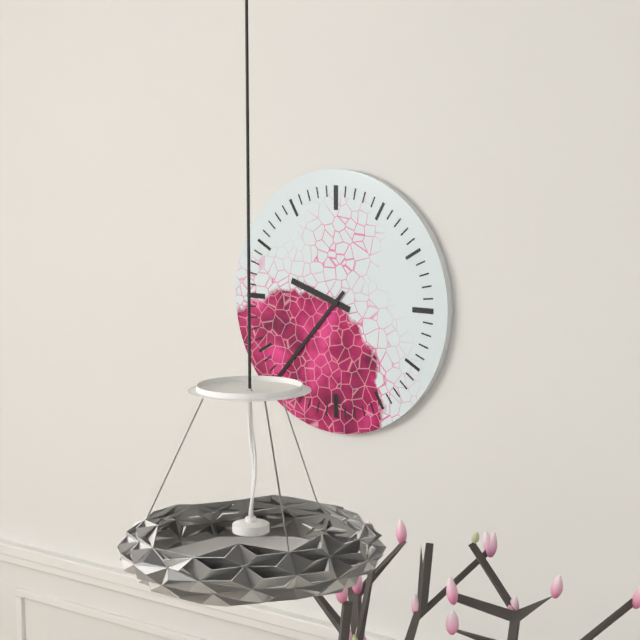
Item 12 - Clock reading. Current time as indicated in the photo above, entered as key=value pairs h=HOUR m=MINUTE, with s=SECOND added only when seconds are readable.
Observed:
h=9 m=37
